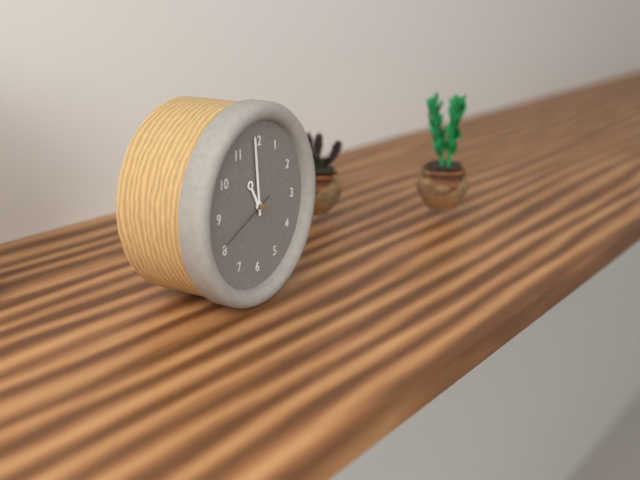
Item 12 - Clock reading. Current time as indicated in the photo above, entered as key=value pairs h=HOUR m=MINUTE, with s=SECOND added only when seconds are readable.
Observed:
h=10 m=59 s=41
